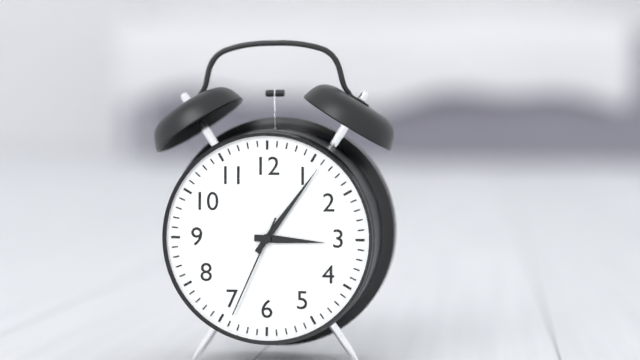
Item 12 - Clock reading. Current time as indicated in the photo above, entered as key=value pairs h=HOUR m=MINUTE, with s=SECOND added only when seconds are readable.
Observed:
h=3 m=6 s=34
